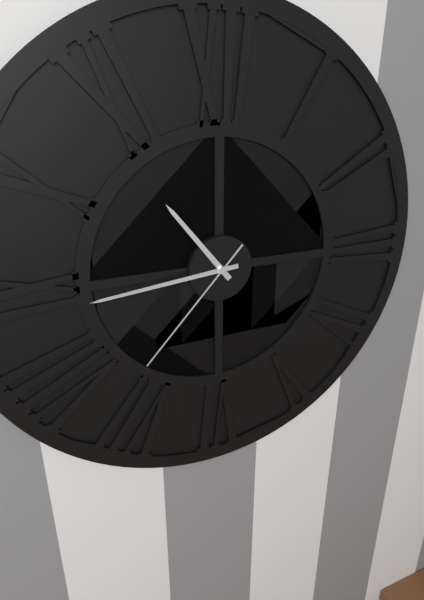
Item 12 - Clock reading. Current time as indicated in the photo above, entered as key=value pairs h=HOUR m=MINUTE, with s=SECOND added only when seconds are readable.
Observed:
h=10 m=44 s=37
